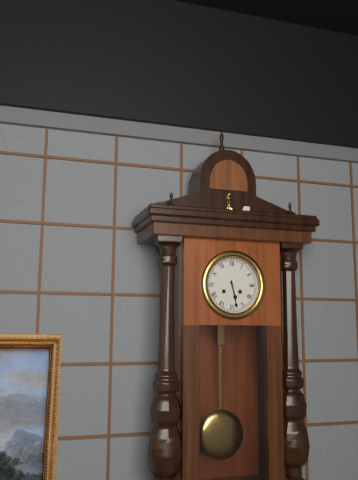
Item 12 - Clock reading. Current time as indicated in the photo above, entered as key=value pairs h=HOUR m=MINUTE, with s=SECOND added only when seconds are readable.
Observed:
h=5 m=28
